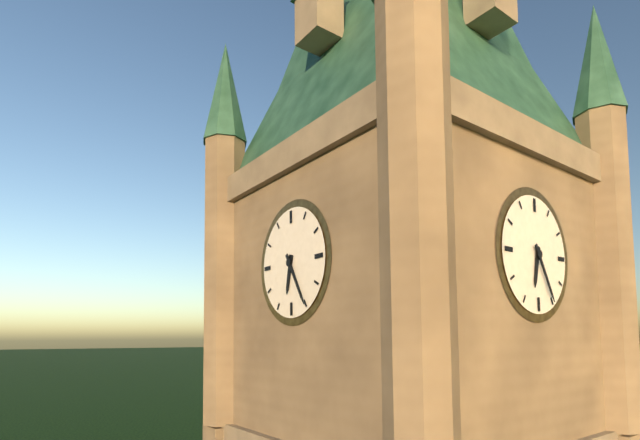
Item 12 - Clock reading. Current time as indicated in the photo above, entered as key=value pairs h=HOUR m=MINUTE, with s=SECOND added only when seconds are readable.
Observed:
h=6 m=25
